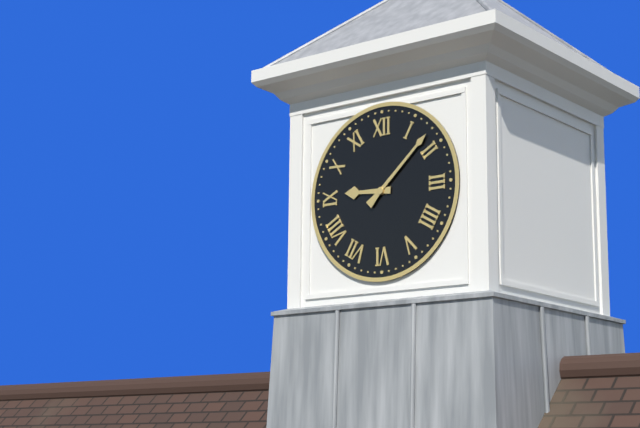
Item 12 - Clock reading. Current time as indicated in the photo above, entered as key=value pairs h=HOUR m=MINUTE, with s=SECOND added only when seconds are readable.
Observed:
h=9 m=8
